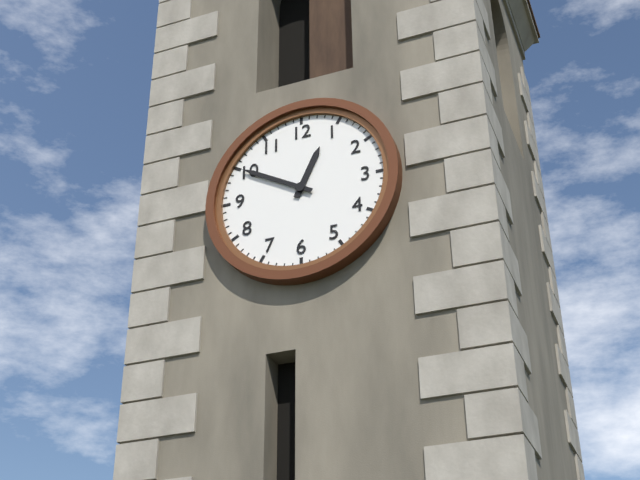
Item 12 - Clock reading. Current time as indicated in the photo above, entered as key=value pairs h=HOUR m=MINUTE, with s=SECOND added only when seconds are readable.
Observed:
h=12 m=50
